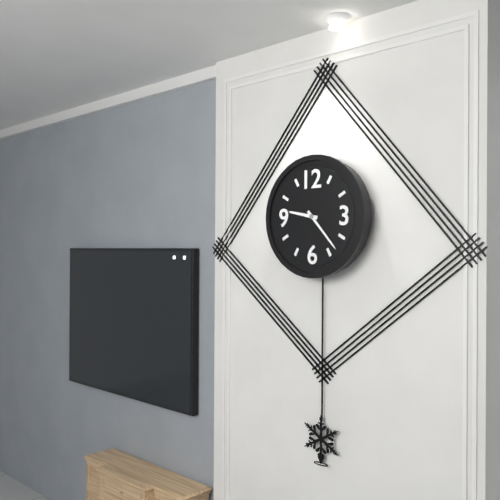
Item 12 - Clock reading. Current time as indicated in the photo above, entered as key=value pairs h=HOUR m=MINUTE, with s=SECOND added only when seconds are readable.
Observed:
h=9 m=23
